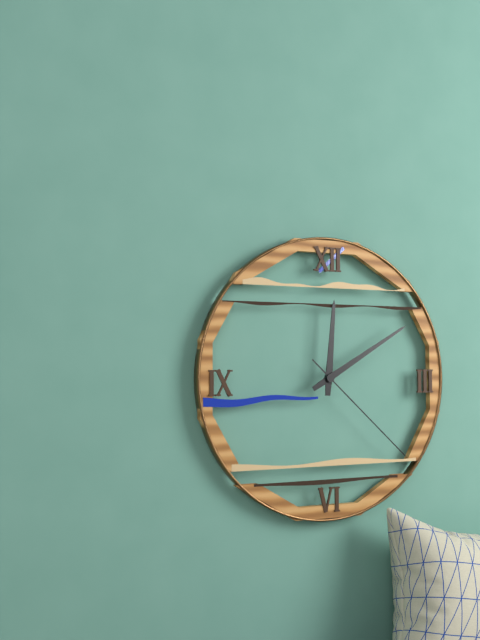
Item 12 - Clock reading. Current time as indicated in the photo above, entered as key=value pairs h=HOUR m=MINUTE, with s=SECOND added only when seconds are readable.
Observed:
h=12 m=10 s=22
